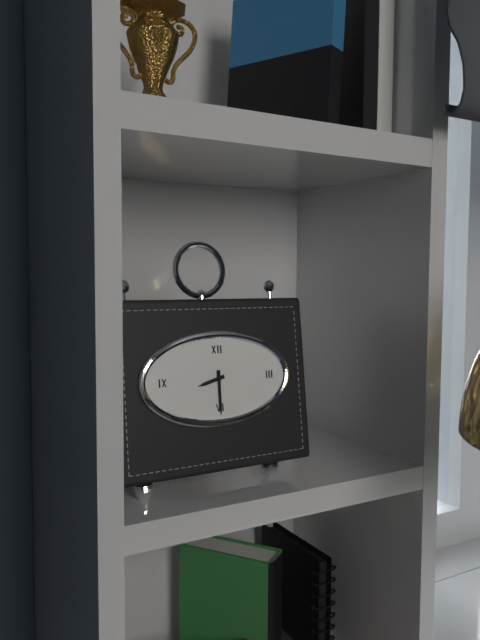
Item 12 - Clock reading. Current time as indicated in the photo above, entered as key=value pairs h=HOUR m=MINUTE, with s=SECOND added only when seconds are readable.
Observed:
h=8 m=30
